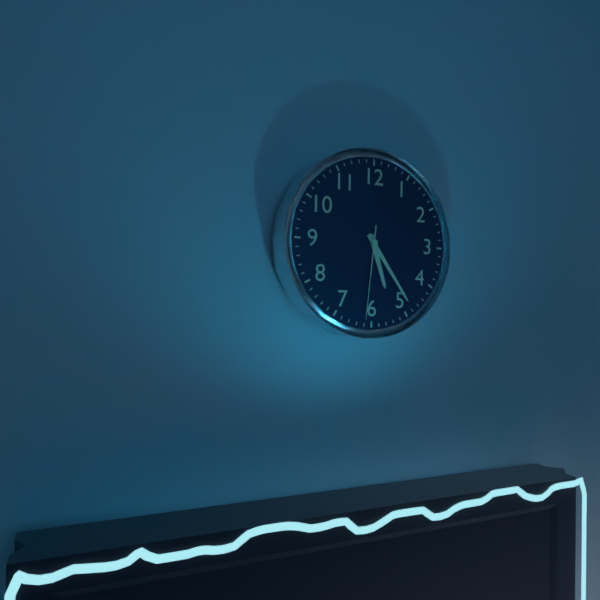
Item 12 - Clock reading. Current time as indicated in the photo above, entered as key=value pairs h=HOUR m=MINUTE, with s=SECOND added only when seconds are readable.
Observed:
h=5 m=24 s=31
